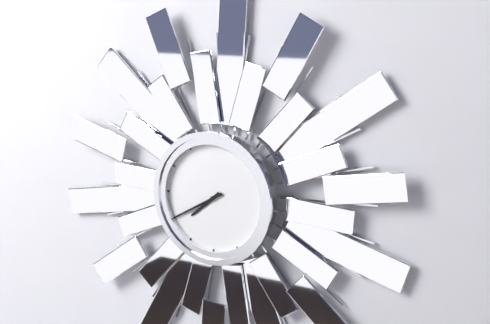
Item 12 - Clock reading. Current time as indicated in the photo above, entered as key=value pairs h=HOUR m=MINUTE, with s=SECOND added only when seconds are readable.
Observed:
h=7 m=40
